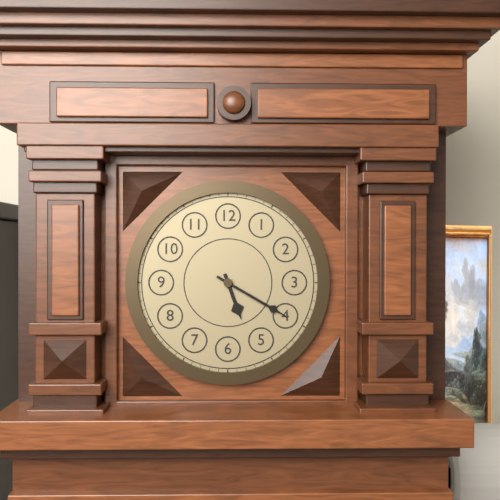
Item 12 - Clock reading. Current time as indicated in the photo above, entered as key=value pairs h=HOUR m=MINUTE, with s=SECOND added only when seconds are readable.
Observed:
h=5 m=20
